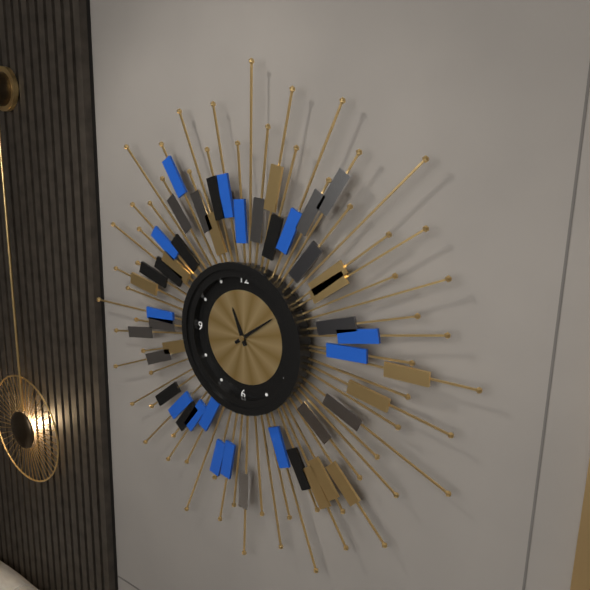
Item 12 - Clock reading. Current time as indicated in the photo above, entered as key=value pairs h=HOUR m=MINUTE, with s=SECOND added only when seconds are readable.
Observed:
h=11 m=9
